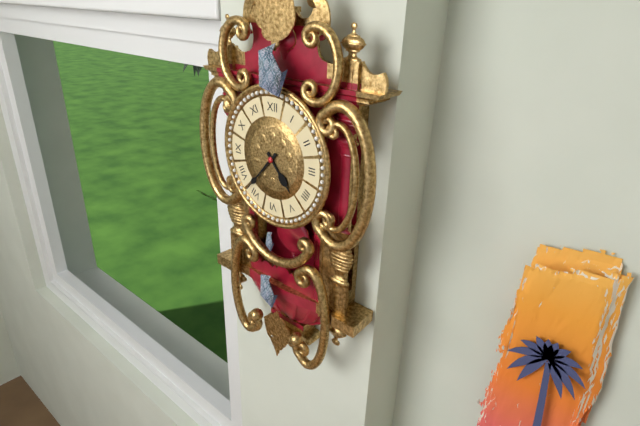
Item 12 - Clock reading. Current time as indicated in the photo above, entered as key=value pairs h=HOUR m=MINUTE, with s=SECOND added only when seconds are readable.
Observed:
h=4 m=37
